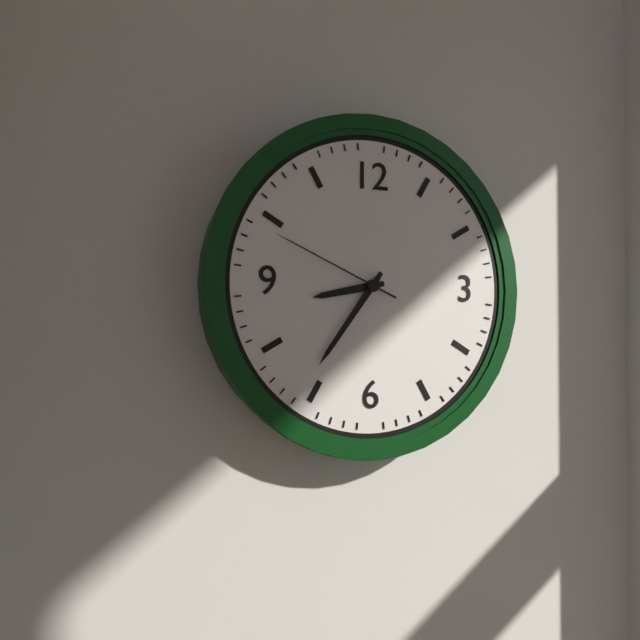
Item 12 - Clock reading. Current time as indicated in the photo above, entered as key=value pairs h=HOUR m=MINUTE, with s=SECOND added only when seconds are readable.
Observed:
h=8 m=36 s=49
